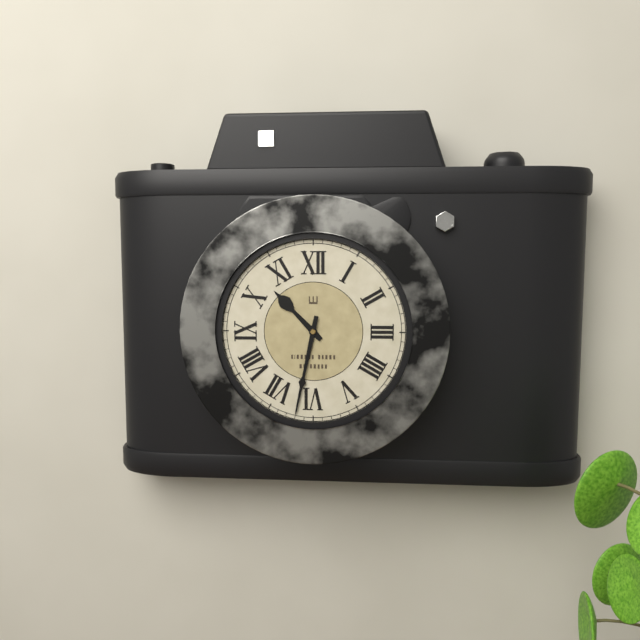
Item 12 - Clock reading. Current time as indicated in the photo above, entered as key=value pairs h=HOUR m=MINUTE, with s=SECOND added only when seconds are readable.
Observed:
h=10 m=32
